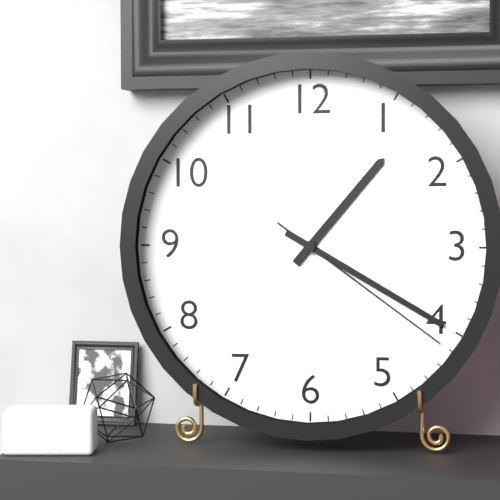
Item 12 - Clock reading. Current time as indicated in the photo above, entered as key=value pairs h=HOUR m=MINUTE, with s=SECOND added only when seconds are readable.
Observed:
h=1 m=20 s=21
